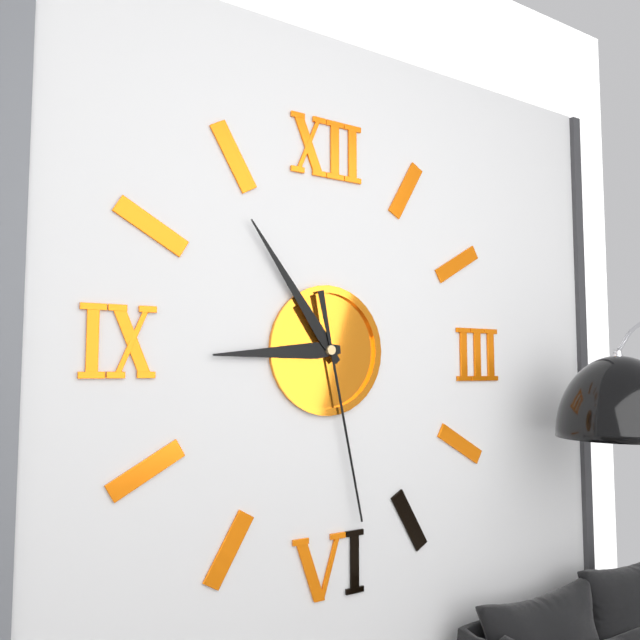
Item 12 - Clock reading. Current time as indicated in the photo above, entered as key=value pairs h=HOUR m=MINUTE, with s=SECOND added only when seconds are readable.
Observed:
h=8 m=54 s=28
